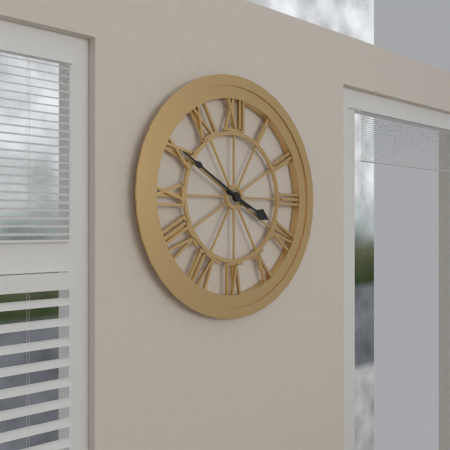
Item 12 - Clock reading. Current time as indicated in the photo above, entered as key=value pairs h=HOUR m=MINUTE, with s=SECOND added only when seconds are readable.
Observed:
h=3 m=50
